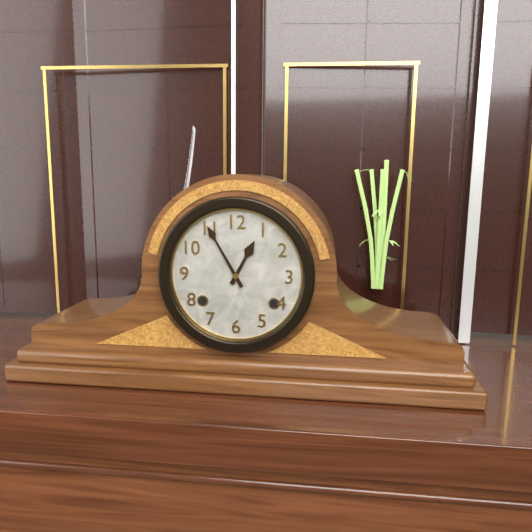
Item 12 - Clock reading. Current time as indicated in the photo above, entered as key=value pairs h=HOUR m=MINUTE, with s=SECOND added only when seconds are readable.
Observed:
h=12 m=55
